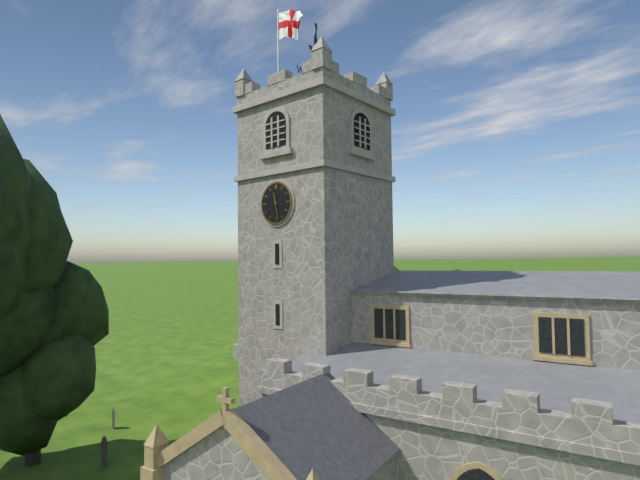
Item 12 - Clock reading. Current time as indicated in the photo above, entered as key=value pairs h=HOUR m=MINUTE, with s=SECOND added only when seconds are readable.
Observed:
h=11 m=28
